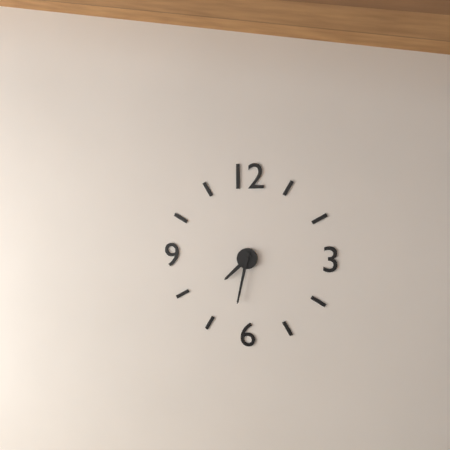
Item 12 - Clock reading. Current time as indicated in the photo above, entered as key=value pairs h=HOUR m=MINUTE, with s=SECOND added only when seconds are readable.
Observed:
h=7 m=32
